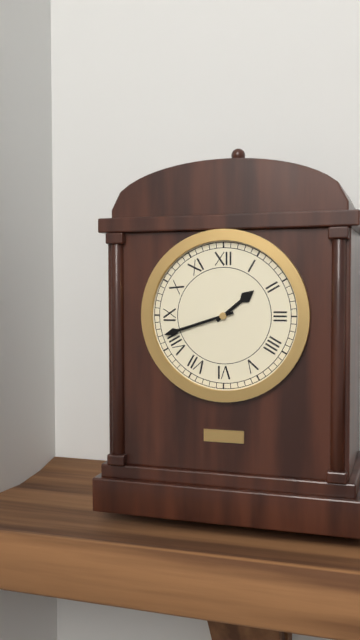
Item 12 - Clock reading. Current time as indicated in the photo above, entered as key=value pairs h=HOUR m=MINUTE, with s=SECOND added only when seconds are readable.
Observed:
h=1 m=42
